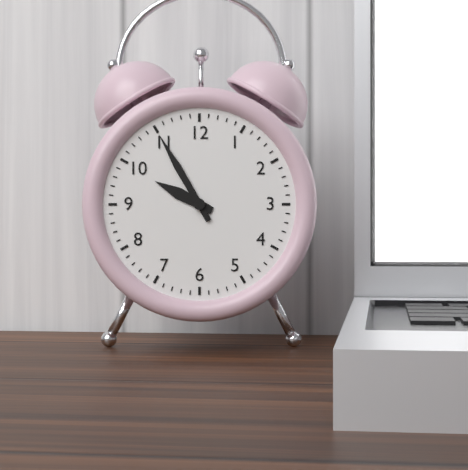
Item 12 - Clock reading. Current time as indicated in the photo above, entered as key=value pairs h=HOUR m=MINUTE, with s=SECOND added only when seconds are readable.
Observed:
h=9 m=55
